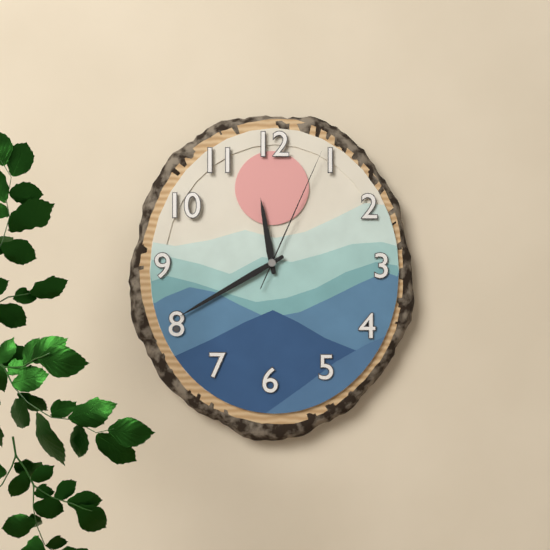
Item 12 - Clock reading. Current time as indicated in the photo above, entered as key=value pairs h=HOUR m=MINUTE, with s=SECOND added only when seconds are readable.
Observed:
h=11 m=40 s=4
